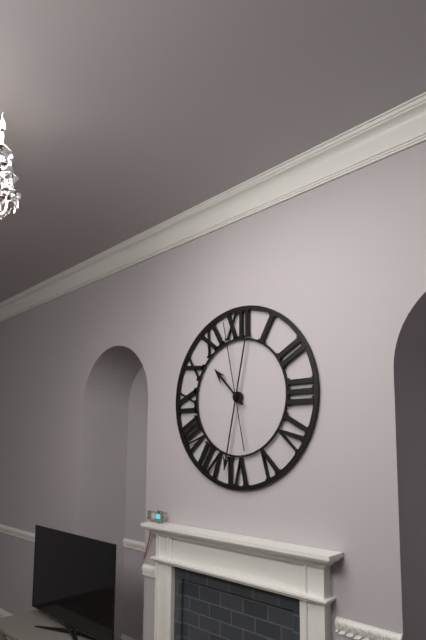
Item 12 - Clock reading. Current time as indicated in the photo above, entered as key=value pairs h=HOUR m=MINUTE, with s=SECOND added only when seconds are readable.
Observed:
h=10 m=32 s=58
